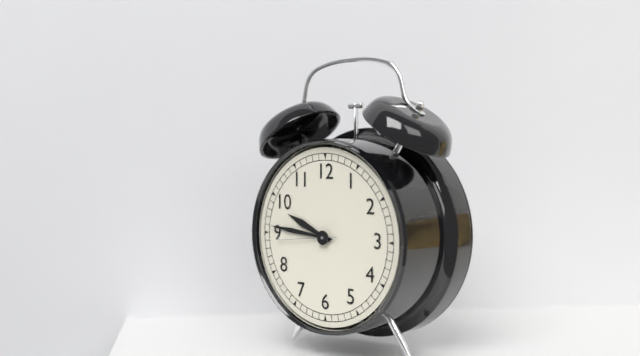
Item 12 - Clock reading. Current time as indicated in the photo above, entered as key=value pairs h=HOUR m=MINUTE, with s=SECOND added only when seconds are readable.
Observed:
h=9 m=46 s=44
